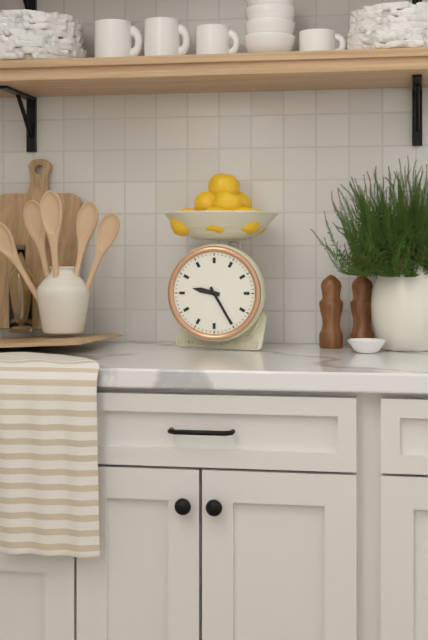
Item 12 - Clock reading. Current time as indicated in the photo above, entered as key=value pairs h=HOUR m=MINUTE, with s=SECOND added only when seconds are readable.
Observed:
h=9 m=25
